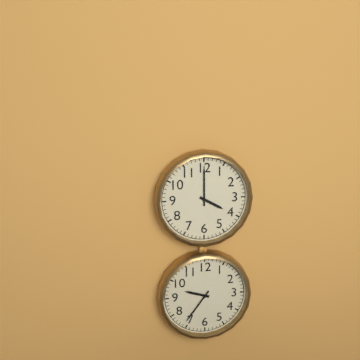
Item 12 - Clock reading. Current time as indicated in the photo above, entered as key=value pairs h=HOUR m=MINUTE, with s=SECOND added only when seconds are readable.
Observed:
h=4 m=0
